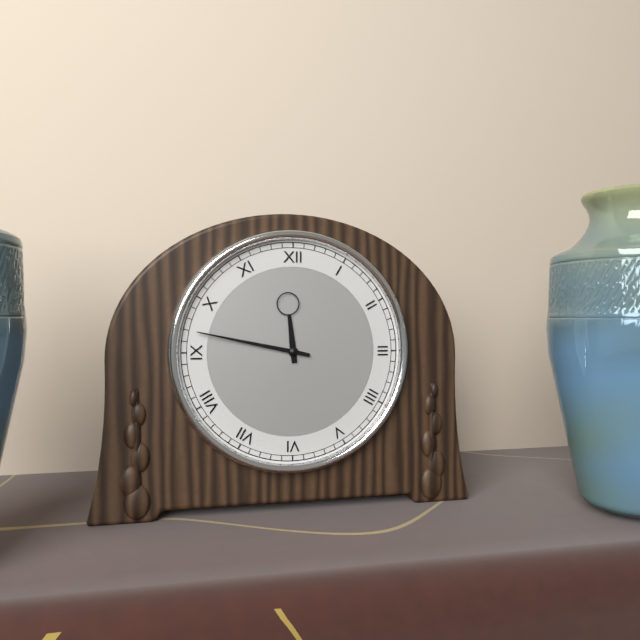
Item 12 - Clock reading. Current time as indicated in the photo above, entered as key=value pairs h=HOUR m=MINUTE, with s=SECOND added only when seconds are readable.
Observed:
h=11 m=47
